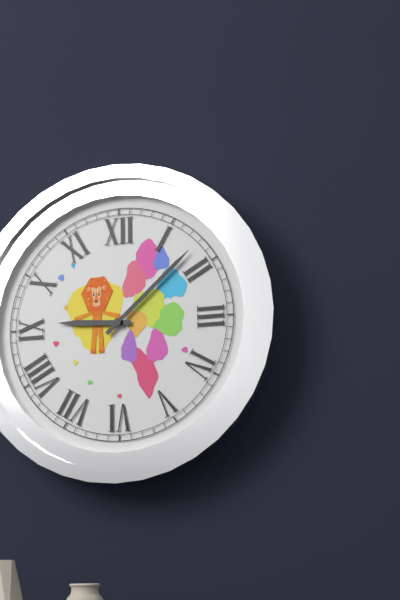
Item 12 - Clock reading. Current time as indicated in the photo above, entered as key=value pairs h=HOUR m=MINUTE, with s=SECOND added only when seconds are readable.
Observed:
h=9 m=8
